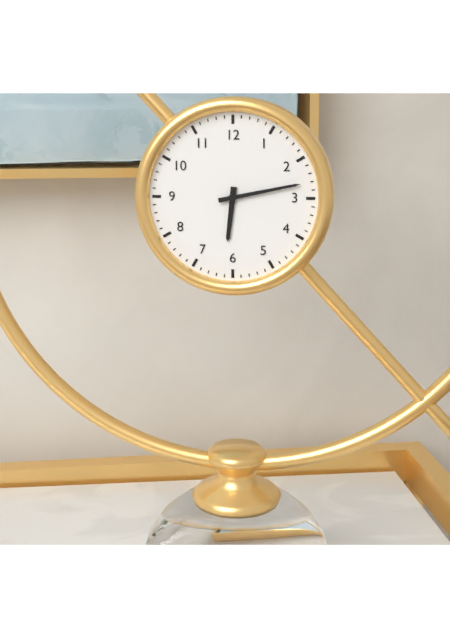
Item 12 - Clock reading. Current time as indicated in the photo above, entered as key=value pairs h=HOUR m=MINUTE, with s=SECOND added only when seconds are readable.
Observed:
h=6 m=13
